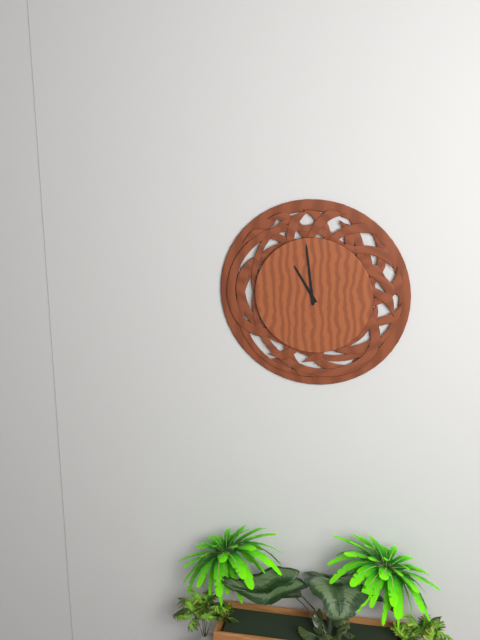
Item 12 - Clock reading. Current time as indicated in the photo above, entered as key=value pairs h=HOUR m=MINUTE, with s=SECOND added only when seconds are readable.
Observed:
h=10 m=59
